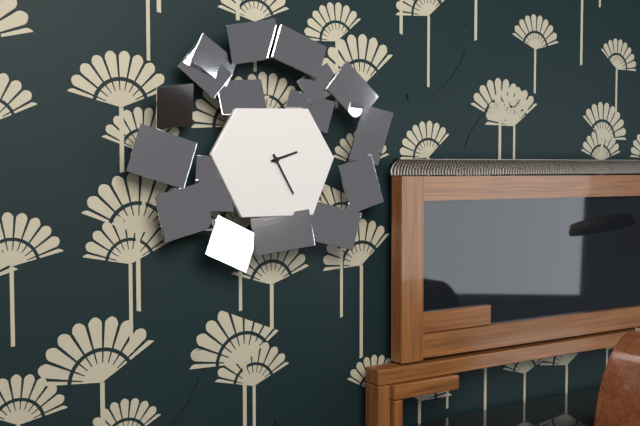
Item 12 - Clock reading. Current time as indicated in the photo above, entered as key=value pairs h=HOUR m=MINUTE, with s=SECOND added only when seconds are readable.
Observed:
h=2 m=25
